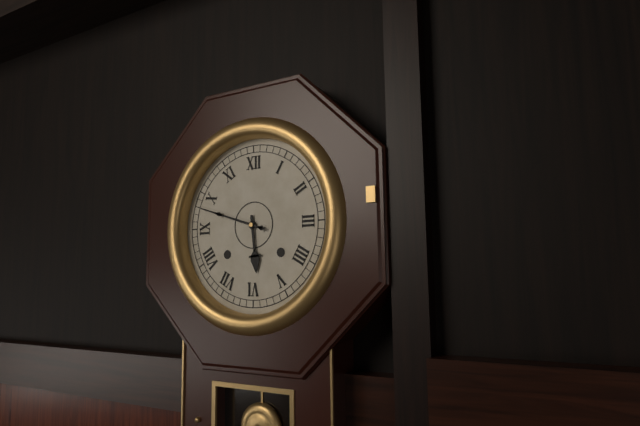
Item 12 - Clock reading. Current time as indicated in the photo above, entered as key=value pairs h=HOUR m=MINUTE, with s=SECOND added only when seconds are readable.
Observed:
h=5 m=48
